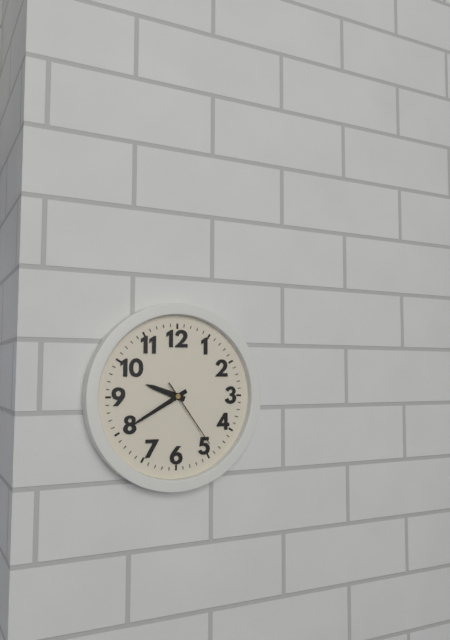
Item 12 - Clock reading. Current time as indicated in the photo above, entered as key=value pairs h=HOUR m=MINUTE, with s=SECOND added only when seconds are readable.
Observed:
h=9 m=40 s=24
